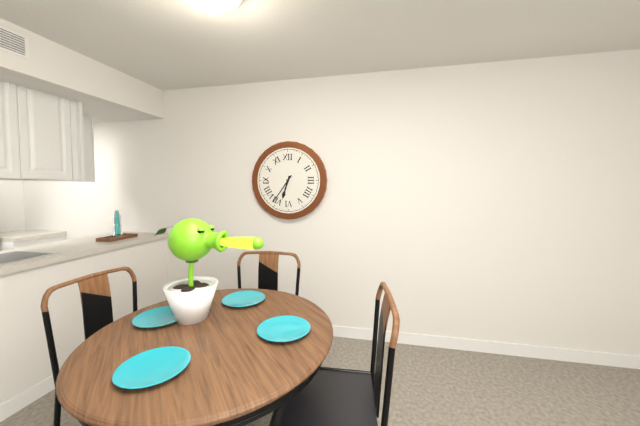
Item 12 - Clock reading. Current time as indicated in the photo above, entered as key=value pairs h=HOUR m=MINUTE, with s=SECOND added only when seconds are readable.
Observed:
h=6 m=36
